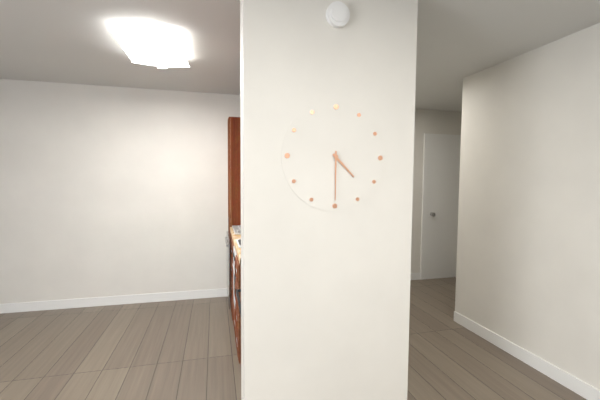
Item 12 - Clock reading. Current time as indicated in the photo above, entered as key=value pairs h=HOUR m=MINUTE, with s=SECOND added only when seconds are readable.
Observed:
h=4 m=30
